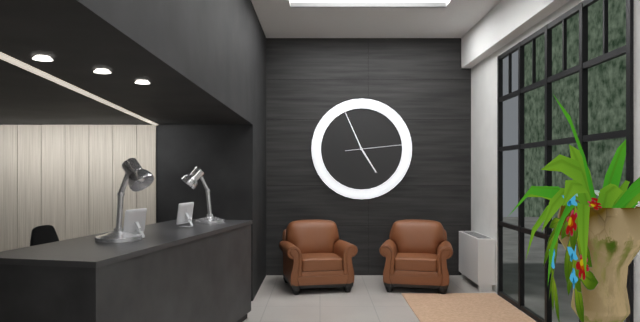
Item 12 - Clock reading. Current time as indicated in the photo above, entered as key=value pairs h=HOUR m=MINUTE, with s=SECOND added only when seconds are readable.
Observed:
h=4 m=56 s=14
